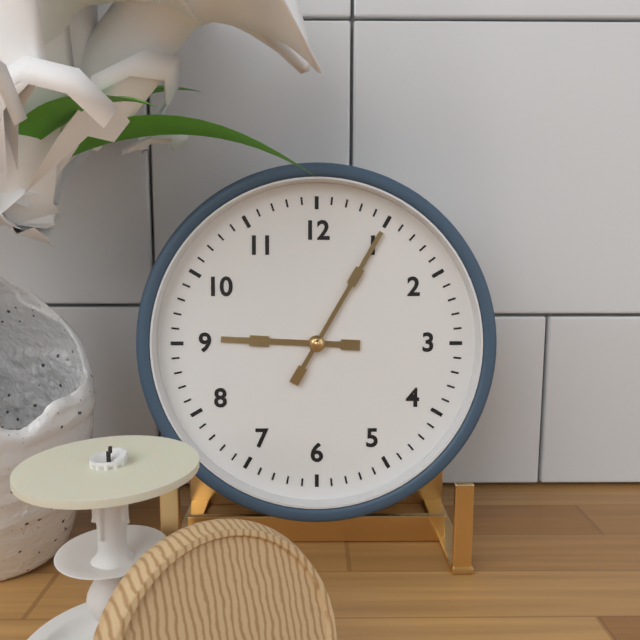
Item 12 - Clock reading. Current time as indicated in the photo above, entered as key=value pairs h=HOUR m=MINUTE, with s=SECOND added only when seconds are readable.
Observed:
h=9 m=5
